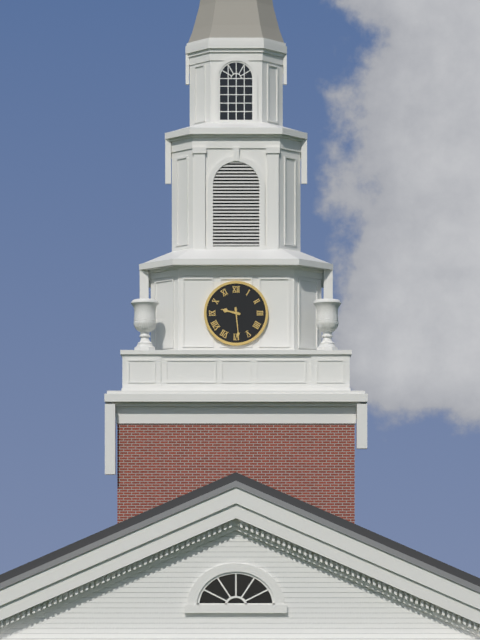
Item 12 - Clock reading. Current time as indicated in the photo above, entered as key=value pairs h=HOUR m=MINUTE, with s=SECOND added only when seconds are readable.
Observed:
h=9 m=29
